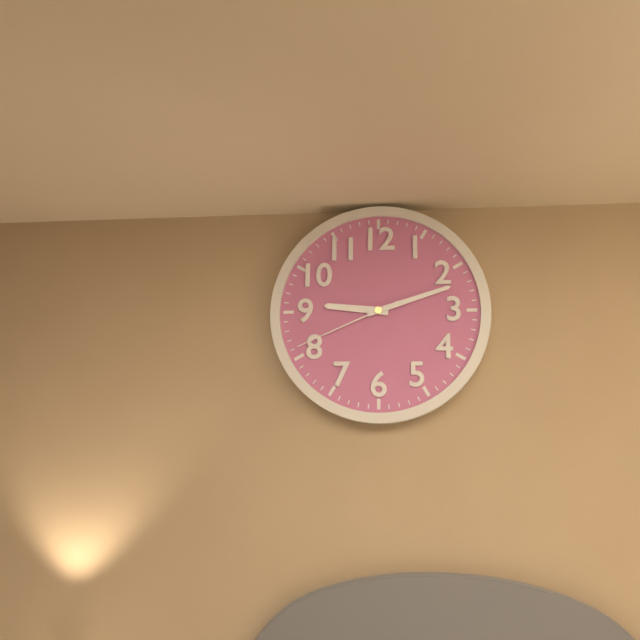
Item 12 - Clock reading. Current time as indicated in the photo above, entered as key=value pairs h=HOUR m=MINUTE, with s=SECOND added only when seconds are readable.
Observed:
h=9 m=12 s=41
